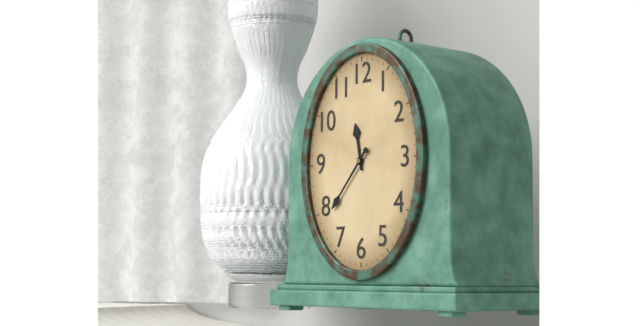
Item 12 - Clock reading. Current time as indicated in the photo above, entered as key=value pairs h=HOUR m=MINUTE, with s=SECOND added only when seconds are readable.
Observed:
h=11 m=37
